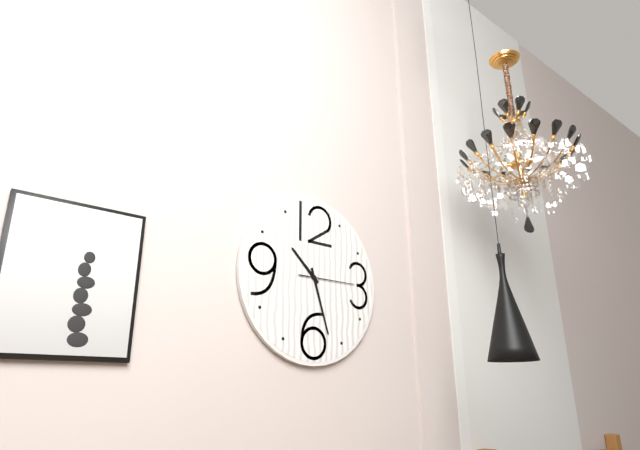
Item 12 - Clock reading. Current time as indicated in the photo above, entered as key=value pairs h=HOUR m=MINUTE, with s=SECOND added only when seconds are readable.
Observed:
h=10 m=27 s=15
